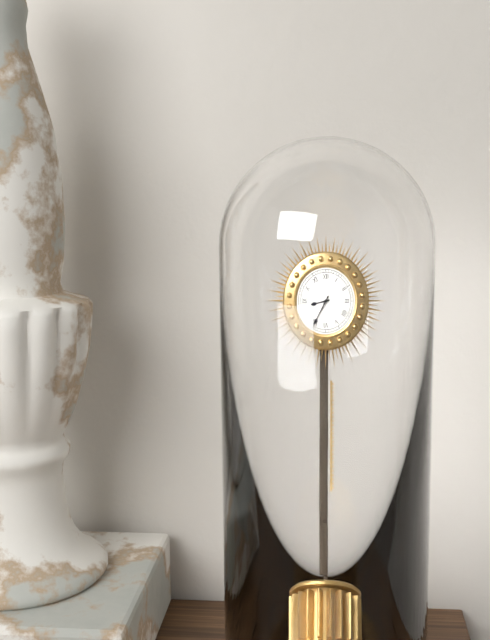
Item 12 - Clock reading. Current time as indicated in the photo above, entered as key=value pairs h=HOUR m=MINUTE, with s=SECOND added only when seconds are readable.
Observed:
h=8 m=35
